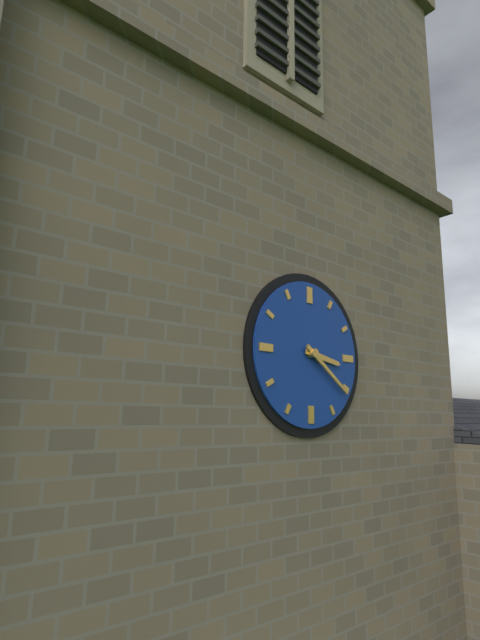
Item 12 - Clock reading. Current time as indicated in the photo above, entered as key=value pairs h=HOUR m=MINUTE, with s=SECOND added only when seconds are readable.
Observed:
h=3 m=21
